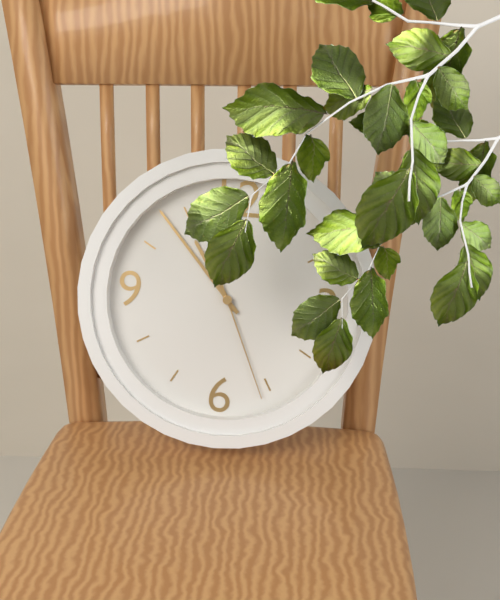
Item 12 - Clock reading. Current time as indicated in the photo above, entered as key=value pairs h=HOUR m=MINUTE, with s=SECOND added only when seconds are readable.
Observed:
h=10 m=53 s=26
